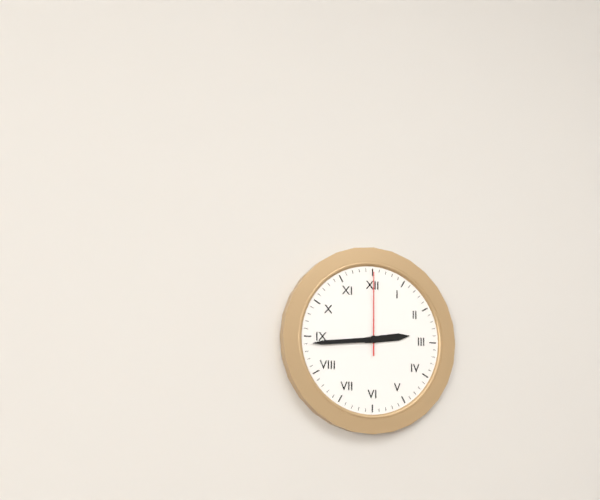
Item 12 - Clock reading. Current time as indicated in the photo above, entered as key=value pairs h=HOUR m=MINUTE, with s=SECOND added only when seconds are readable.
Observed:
h=2 m=44 s=0
